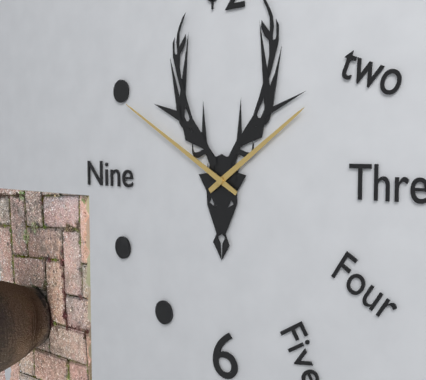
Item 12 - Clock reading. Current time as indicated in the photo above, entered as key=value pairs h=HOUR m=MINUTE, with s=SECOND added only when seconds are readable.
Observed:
h=1 m=50
